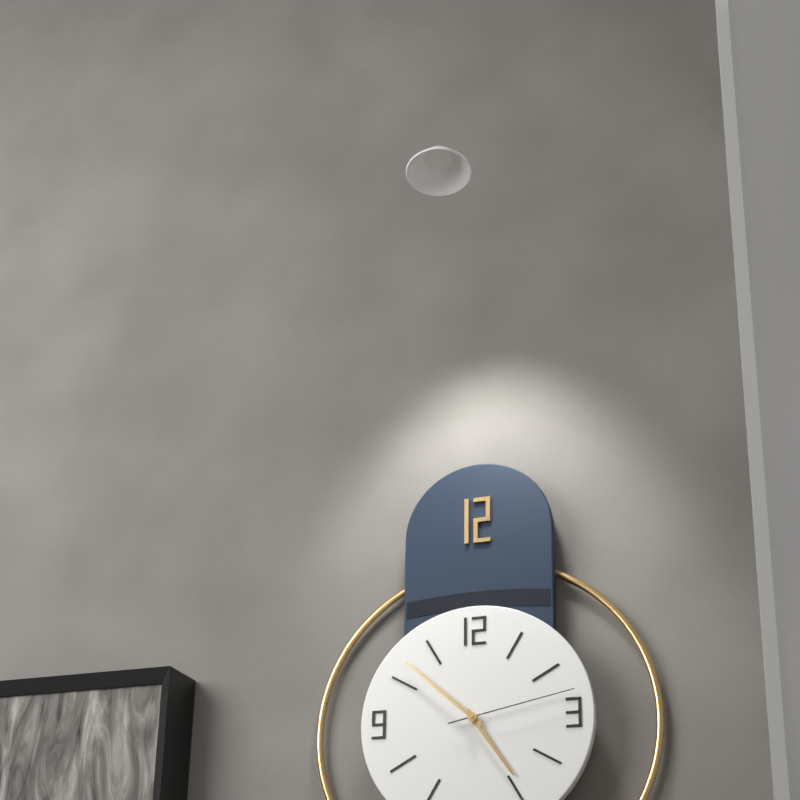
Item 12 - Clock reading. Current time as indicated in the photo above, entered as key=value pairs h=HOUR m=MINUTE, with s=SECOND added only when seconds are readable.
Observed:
h=4 m=52 s=13
